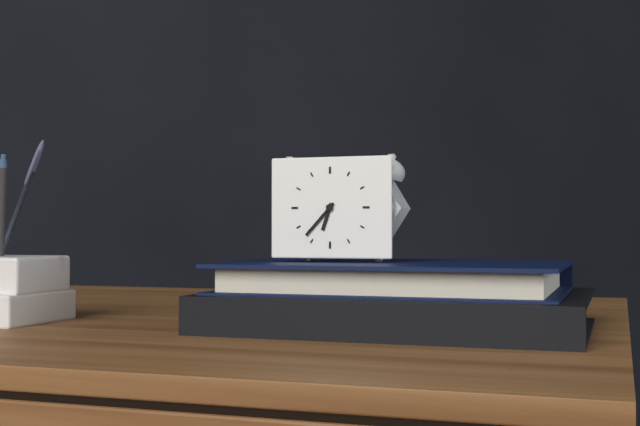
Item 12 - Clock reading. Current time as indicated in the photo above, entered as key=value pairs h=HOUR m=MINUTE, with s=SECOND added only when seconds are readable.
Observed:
h=6 m=37
